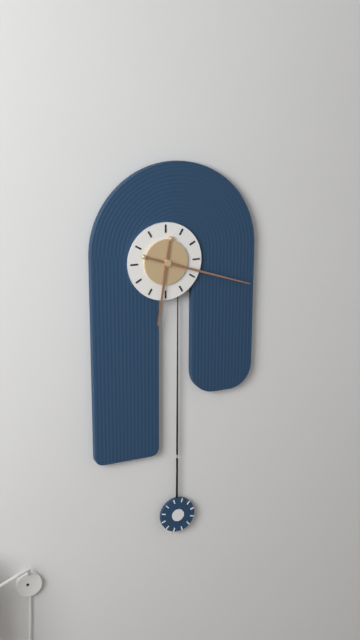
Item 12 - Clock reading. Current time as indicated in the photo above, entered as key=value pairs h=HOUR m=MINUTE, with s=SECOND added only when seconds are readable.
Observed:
h=6 m=18
